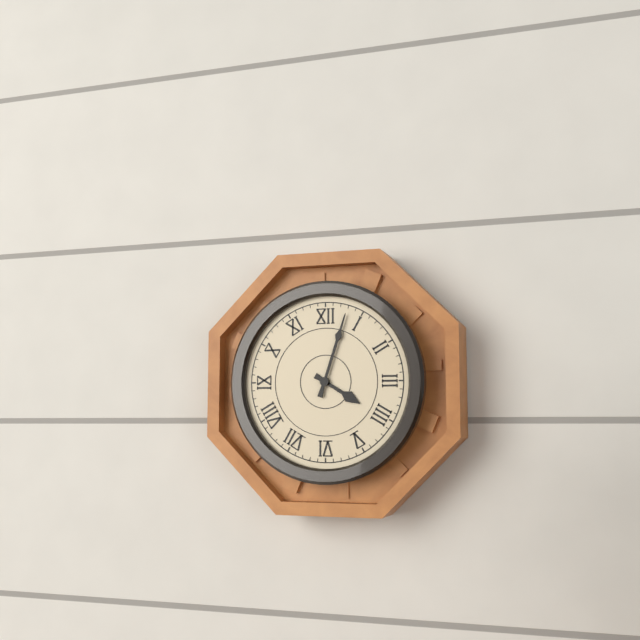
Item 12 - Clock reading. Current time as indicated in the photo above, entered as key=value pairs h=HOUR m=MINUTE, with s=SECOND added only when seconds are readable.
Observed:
h=4 m=3
